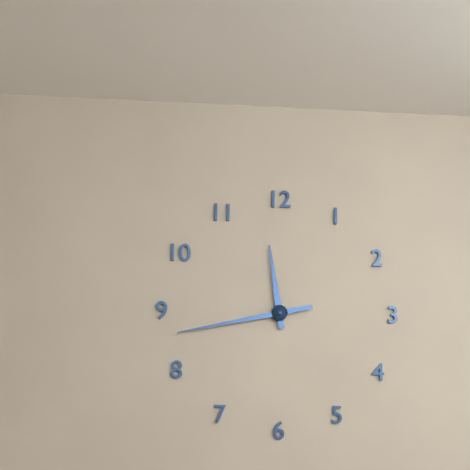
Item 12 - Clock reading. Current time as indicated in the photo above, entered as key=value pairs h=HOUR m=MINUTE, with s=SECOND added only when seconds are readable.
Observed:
h=11 m=43
